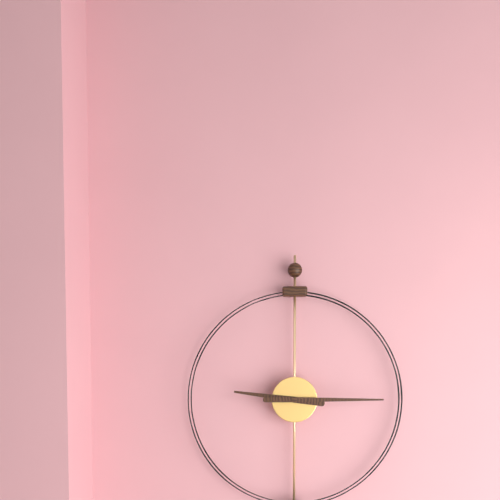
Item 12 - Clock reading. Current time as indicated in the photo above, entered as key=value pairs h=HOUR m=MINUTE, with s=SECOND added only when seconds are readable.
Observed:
h=9 m=15
